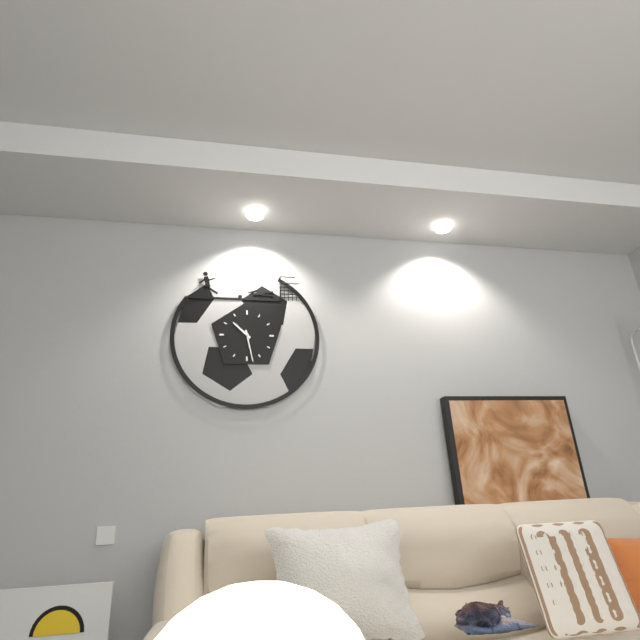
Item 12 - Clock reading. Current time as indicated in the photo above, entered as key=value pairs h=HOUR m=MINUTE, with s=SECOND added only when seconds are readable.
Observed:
h=10 m=28
